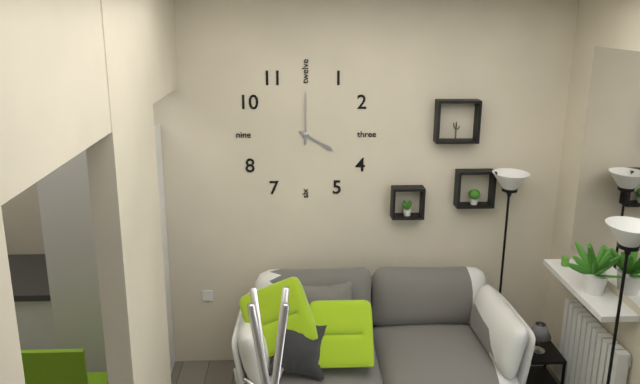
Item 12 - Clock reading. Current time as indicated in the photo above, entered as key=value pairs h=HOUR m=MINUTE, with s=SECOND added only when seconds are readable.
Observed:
h=4 m=0
